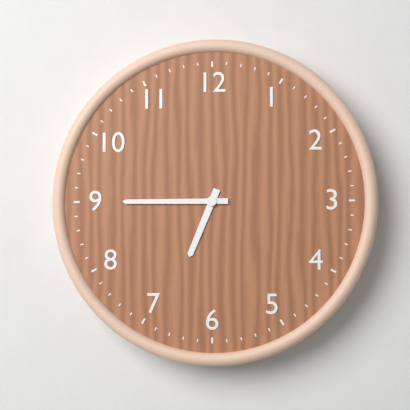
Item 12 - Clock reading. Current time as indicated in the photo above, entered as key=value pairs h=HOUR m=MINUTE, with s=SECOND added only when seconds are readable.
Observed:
h=6 m=45
